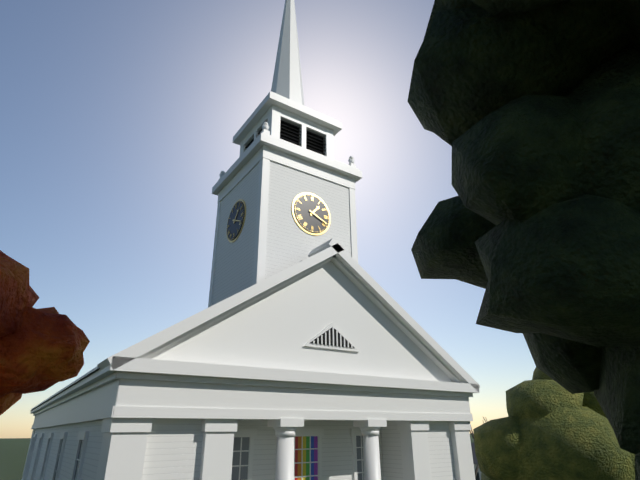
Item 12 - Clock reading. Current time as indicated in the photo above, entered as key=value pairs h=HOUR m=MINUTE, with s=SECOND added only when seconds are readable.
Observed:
h=1 m=19
